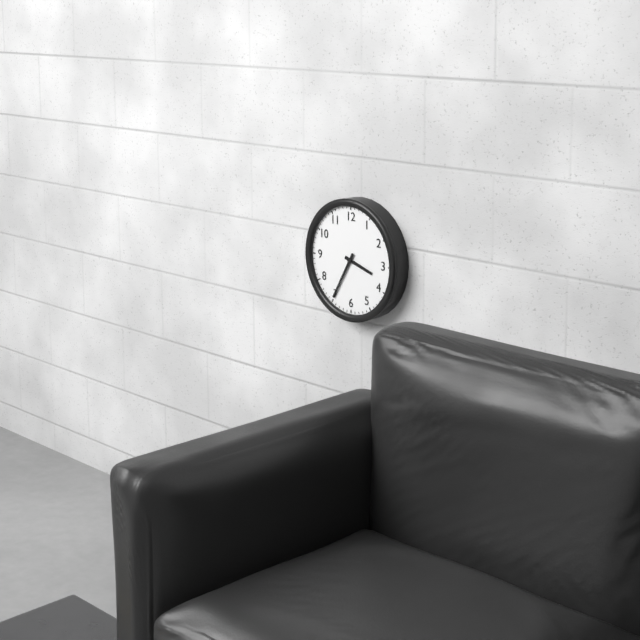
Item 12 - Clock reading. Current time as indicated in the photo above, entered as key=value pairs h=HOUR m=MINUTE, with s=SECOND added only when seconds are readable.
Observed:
h=3 m=35
